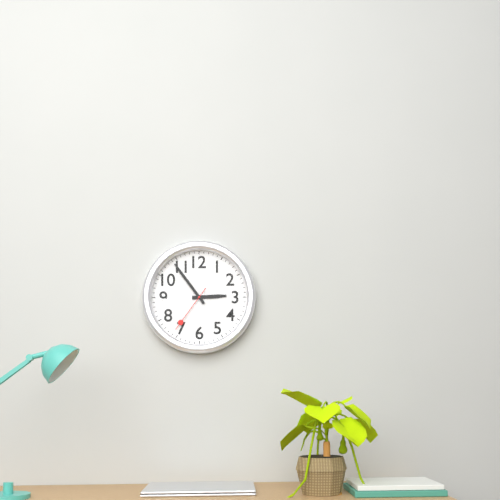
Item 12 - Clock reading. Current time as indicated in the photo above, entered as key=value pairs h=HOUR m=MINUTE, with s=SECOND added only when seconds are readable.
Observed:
h=2 m=54 s=36
